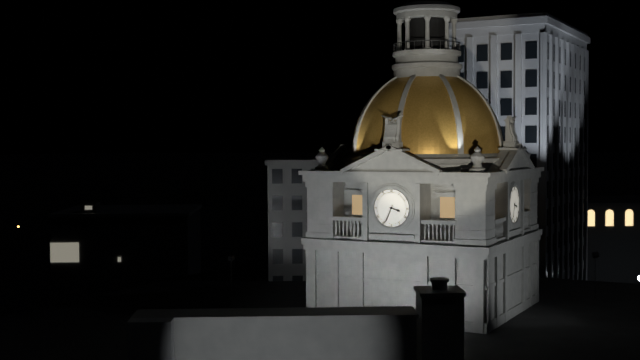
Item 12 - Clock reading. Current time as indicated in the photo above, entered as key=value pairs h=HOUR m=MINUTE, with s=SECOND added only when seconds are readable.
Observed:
h=3 m=34
